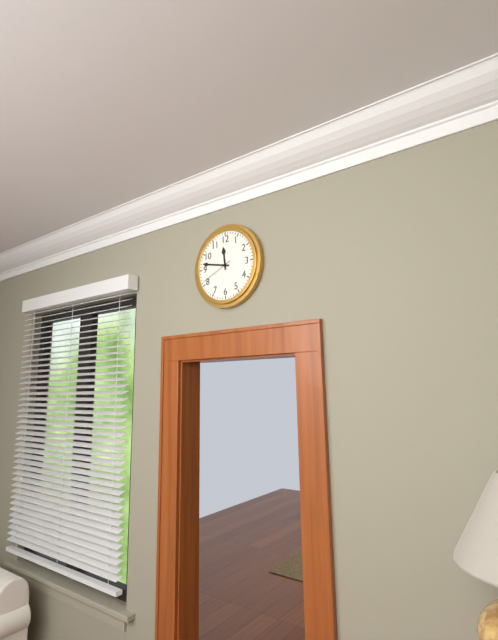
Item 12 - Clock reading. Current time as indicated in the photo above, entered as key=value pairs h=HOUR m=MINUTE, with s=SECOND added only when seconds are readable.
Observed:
h=11 m=47
